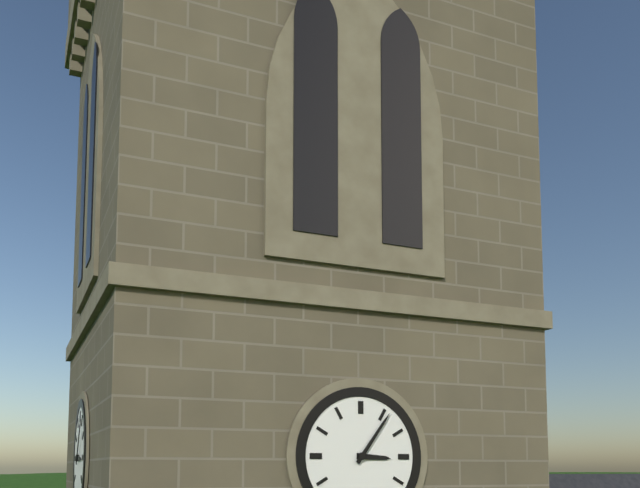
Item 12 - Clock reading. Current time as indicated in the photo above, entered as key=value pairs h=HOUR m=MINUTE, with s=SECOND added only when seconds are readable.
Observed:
h=3 m=6
